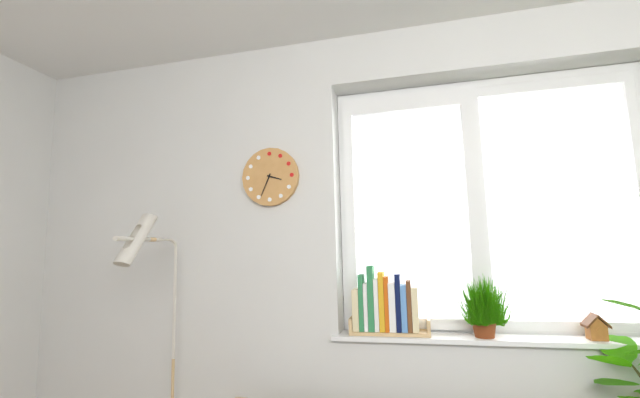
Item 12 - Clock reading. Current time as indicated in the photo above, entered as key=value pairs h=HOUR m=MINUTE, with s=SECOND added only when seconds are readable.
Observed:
h=3 m=34
